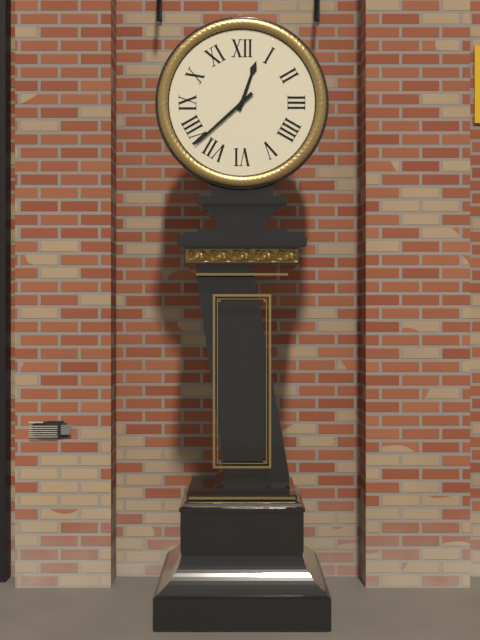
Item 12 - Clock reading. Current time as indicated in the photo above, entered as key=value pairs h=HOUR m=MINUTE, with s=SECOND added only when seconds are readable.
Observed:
h=12 m=38
